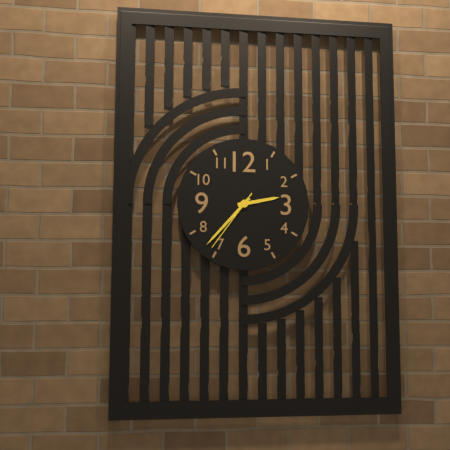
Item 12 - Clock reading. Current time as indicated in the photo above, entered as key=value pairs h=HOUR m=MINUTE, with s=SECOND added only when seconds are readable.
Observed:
h=2 m=37 s=36
